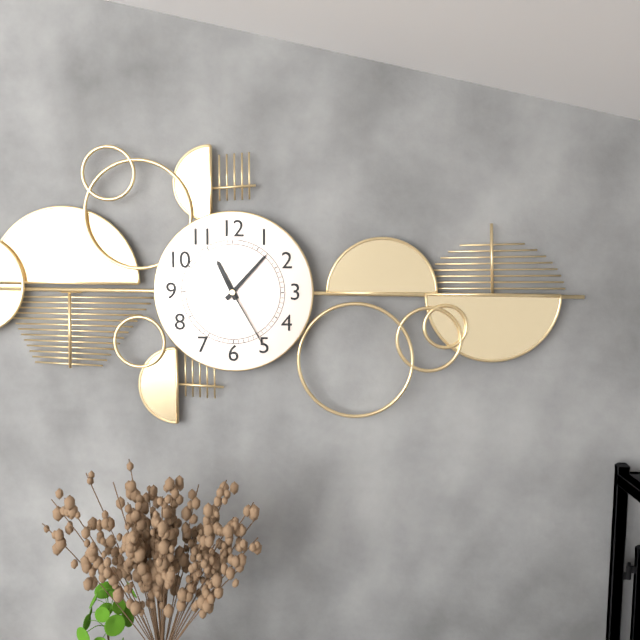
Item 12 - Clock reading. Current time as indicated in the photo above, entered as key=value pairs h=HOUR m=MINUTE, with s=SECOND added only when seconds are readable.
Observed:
h=11 m=7 s=25
